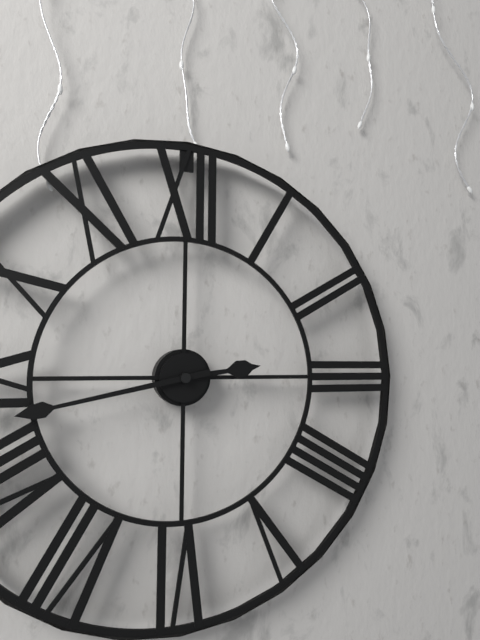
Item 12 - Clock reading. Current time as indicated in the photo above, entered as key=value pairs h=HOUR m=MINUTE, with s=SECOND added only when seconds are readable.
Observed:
h=2 m=43
